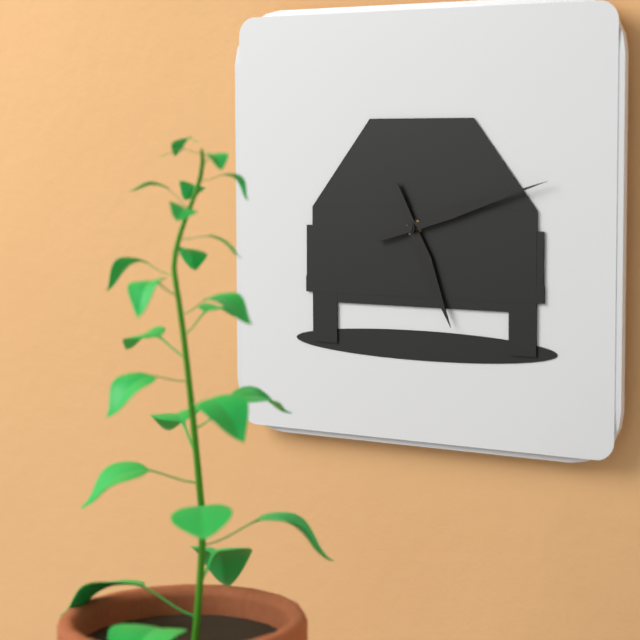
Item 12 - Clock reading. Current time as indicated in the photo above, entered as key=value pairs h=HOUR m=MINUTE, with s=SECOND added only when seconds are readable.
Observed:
h=5 m=12
